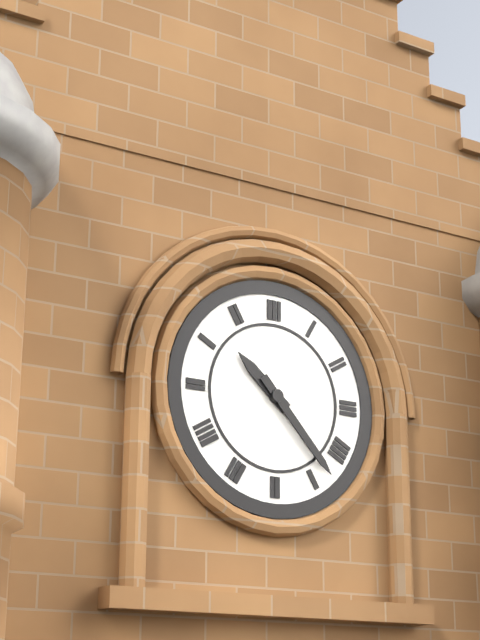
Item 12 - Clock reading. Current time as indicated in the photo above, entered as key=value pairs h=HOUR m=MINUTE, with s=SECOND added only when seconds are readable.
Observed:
h=10 m=23
